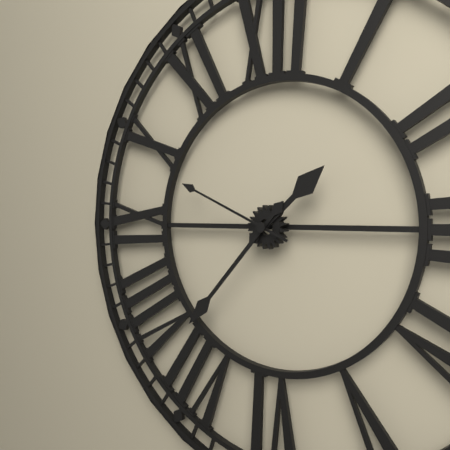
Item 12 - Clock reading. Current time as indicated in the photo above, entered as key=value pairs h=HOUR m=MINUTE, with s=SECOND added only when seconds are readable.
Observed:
h=1 m=37 s=49
